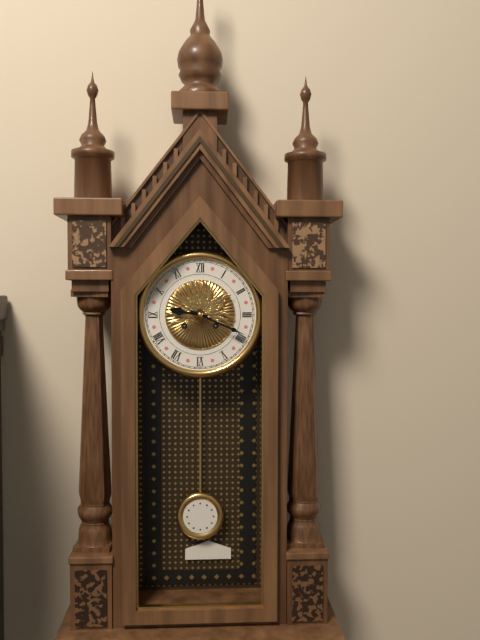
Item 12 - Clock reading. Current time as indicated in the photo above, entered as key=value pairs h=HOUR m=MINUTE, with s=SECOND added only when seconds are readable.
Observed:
h=9 m=19
